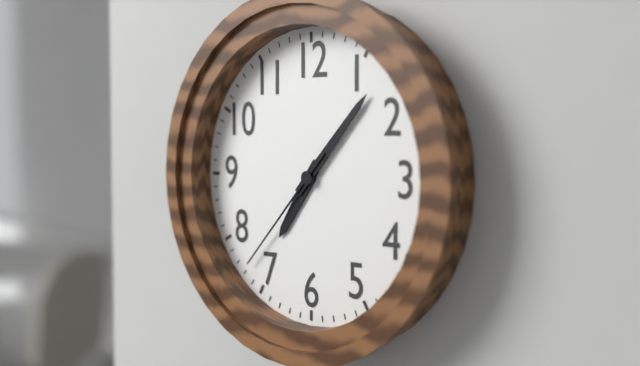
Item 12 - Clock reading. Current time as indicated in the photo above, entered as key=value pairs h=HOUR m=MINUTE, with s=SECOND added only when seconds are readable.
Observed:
h=7 m=7 s=37
